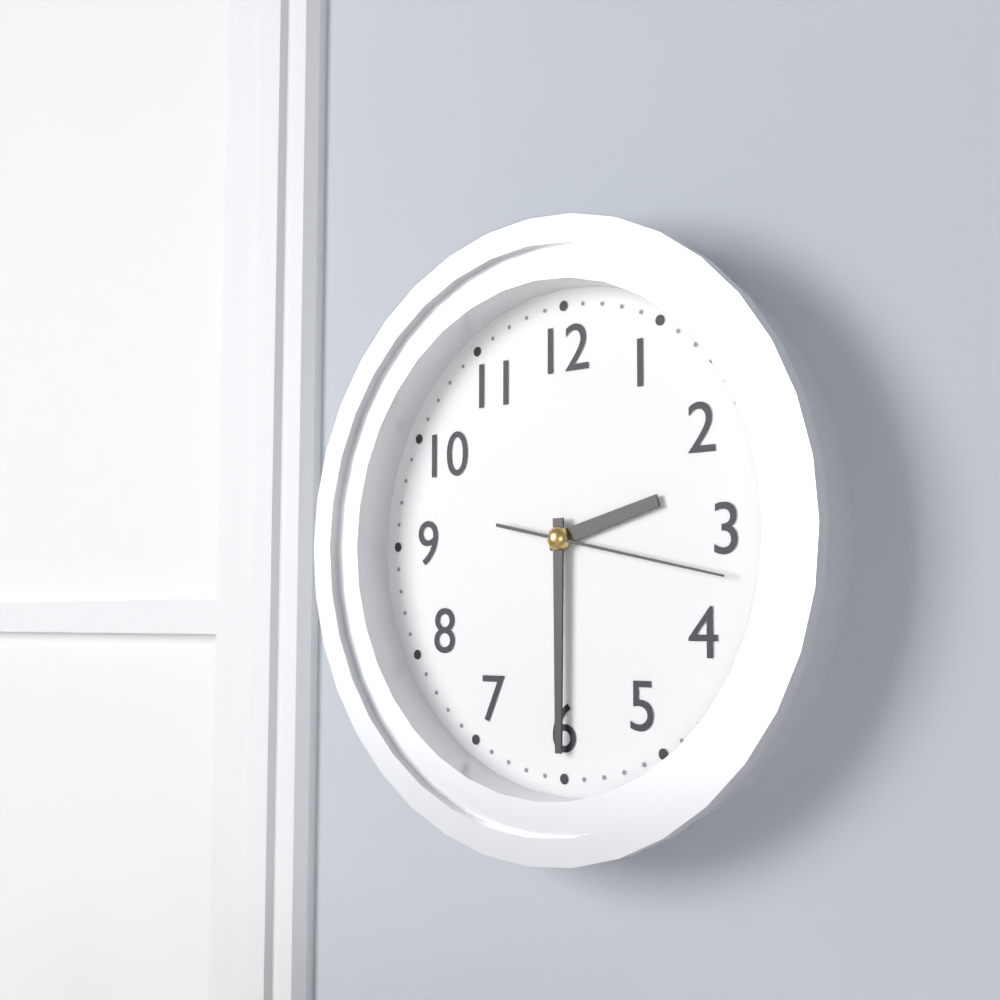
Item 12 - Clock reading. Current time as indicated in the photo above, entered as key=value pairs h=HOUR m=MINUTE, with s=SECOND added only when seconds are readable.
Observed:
h=2 m=30 s=17
